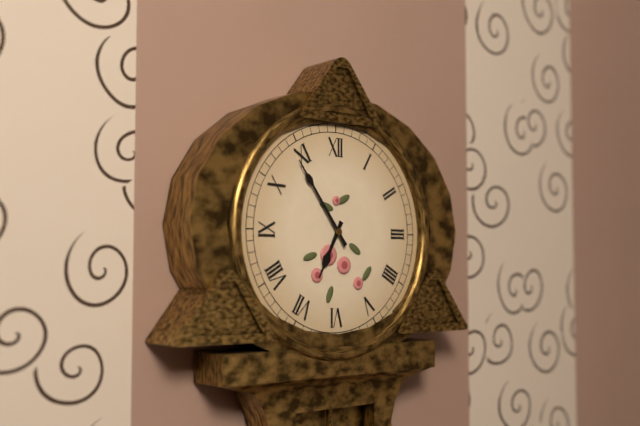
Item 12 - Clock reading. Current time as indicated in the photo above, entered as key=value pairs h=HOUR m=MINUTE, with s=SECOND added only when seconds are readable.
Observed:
h=6 m=54
